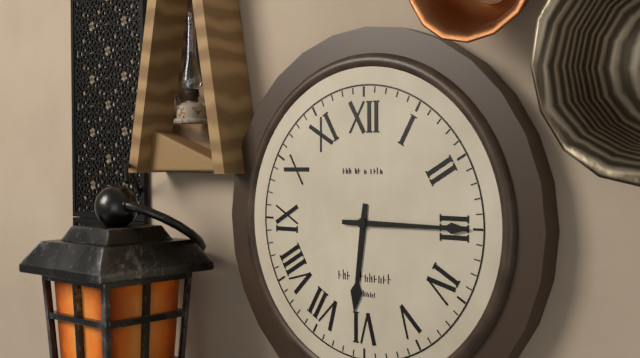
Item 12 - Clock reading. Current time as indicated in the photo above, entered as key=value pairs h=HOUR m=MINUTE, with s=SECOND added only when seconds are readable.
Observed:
h=6 m=15
